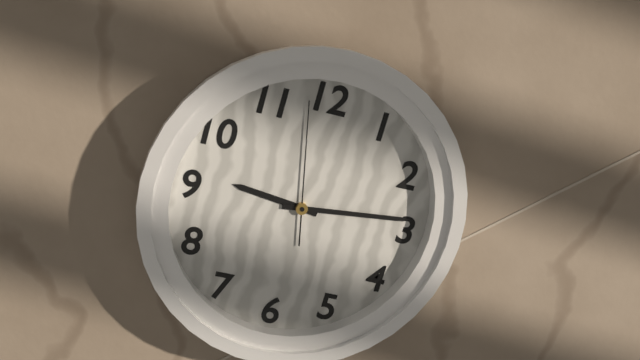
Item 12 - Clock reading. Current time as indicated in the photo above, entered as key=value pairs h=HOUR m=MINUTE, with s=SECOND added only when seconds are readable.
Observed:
h=9 m=14 s=58
